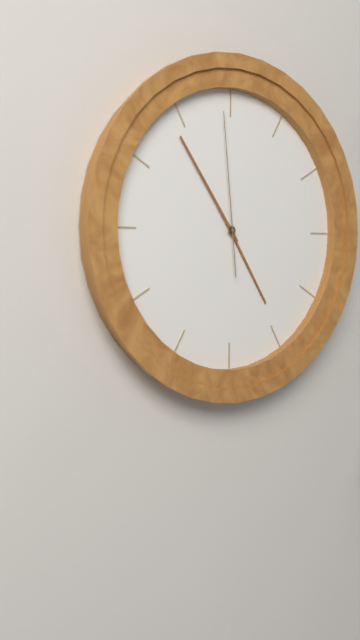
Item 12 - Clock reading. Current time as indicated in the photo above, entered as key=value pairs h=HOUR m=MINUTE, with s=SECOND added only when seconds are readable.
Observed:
h=4 m=54 s=59
